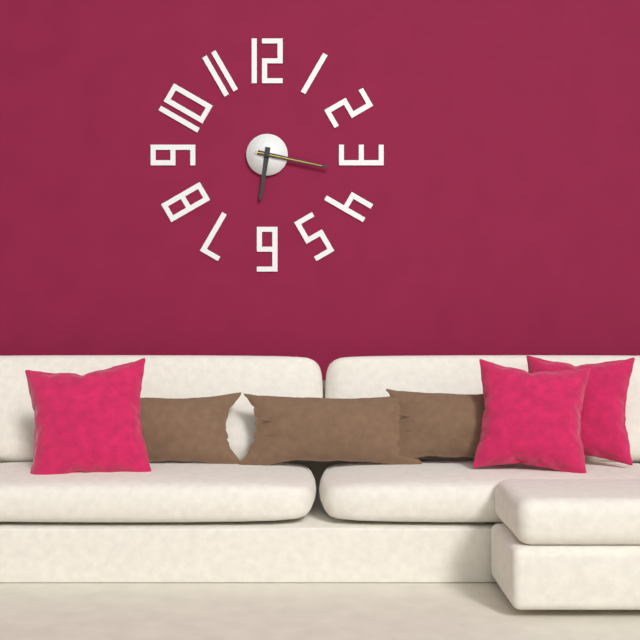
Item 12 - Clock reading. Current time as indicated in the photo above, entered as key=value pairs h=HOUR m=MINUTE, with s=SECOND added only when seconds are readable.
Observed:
h=6 m=17 s=17
